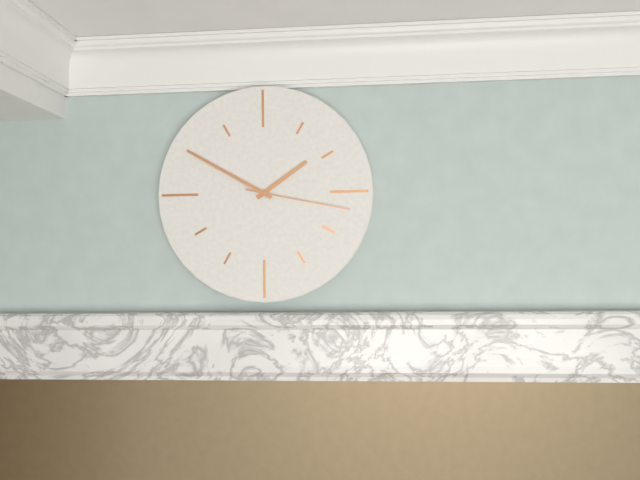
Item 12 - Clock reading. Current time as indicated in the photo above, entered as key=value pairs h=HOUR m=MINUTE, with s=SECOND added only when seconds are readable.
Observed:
h=1 m=50 s=17
